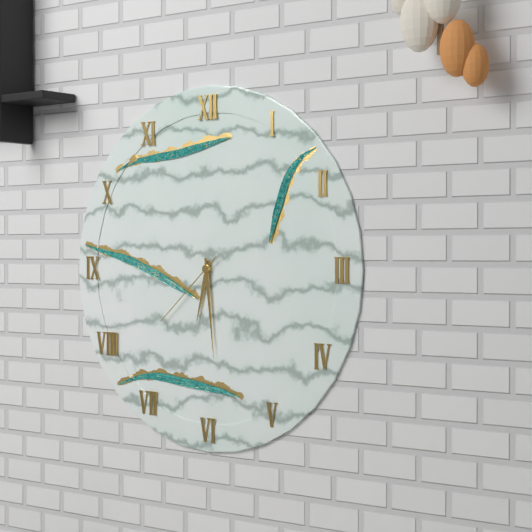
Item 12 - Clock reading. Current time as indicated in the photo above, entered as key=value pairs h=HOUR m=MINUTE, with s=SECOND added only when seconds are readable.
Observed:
h=6 m=29 s=38
